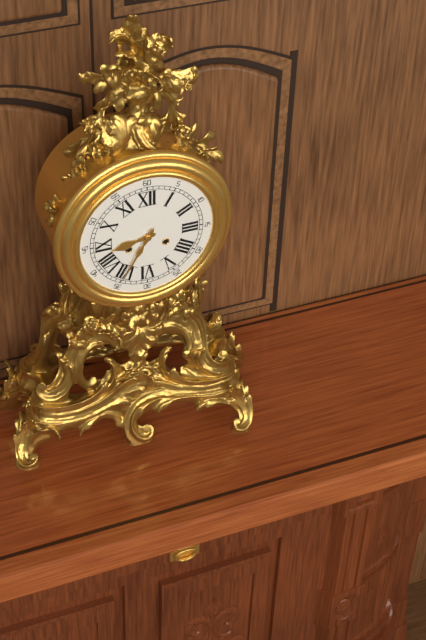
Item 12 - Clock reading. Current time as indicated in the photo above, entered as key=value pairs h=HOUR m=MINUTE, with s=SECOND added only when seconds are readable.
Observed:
h=8 m=35
